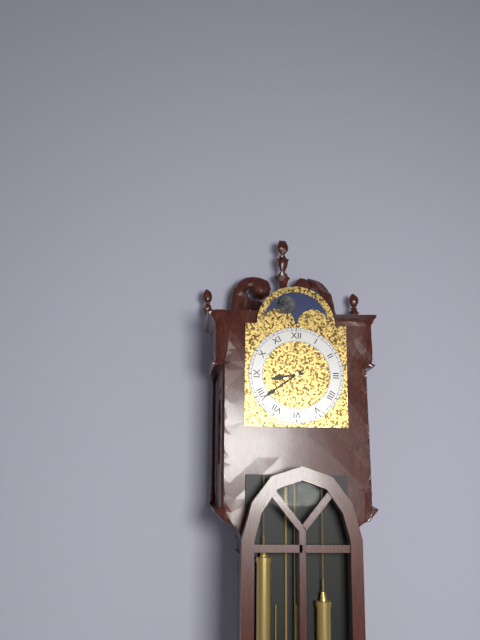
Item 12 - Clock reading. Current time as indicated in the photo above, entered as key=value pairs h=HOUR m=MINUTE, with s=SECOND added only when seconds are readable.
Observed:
h=8 m=39
